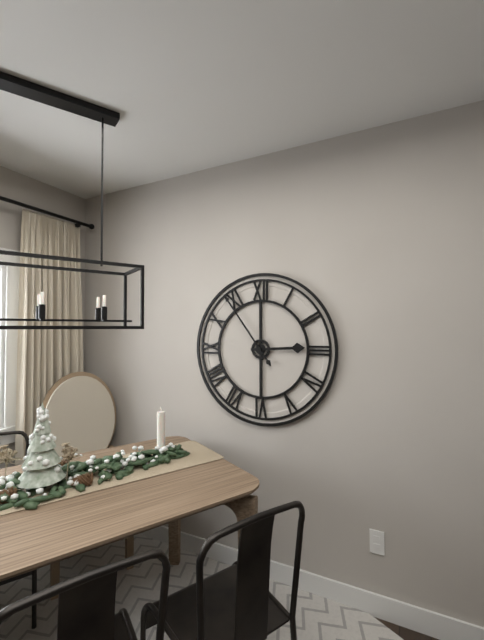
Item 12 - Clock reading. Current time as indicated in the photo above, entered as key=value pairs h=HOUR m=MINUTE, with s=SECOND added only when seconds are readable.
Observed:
h=2 m=54
